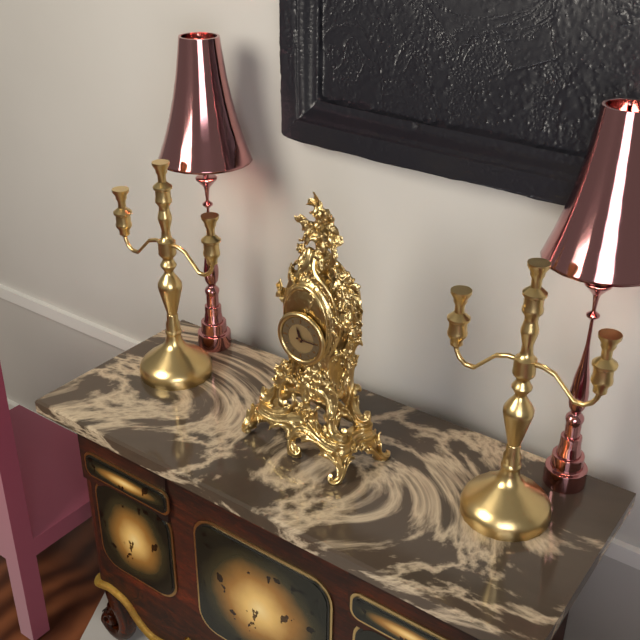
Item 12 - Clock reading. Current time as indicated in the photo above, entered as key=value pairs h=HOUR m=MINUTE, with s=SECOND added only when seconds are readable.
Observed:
h=11 m=15
